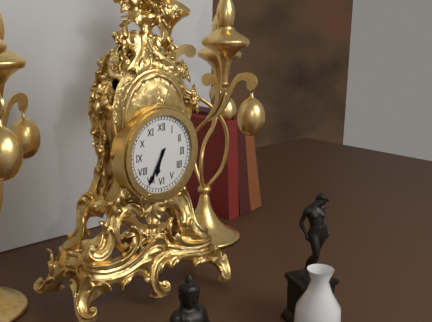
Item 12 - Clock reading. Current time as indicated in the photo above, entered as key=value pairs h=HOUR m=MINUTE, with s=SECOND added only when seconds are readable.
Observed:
h=6 m=35
